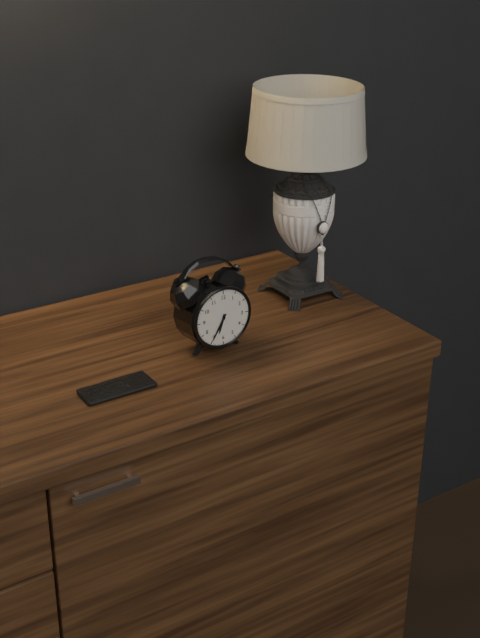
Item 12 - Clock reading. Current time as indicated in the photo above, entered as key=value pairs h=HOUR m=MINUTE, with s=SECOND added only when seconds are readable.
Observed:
h=6 m=35
